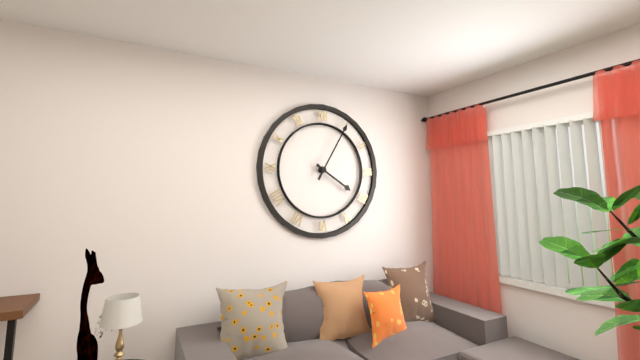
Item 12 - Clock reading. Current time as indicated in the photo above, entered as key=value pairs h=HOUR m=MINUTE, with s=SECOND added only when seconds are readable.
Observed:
h=4 m=5
